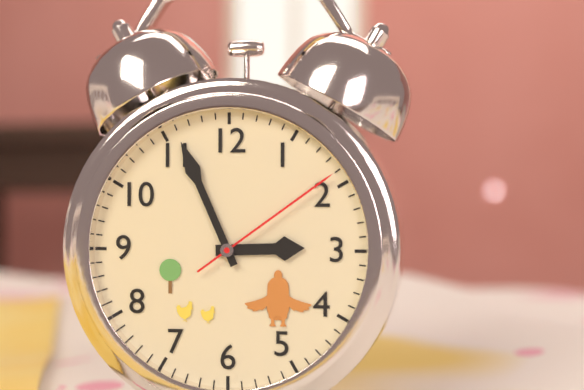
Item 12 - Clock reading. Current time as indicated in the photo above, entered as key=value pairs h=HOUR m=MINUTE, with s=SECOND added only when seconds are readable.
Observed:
h=2 m=56 s=9
